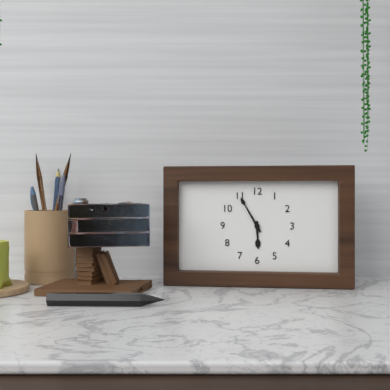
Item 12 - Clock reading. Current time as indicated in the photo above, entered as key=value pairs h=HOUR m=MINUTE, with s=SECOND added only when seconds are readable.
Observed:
h=5 m=55
